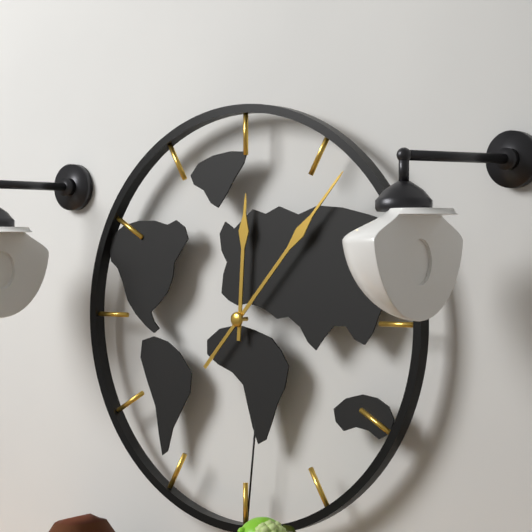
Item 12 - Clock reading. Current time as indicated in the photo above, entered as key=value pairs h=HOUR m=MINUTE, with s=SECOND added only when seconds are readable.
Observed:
h=12 m=7
